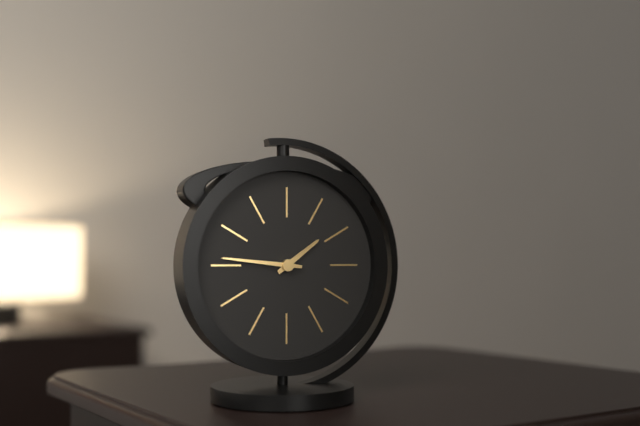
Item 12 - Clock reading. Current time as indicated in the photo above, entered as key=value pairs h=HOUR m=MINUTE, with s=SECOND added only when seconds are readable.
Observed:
h=1 m=46
